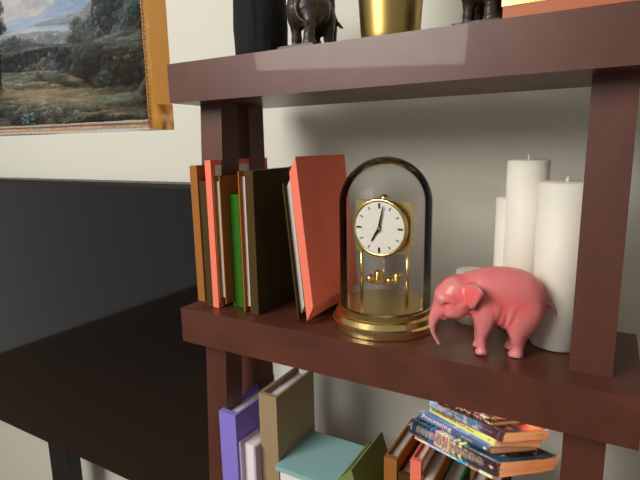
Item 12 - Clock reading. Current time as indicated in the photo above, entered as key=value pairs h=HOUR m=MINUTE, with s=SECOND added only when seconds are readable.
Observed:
h=7 m=2
